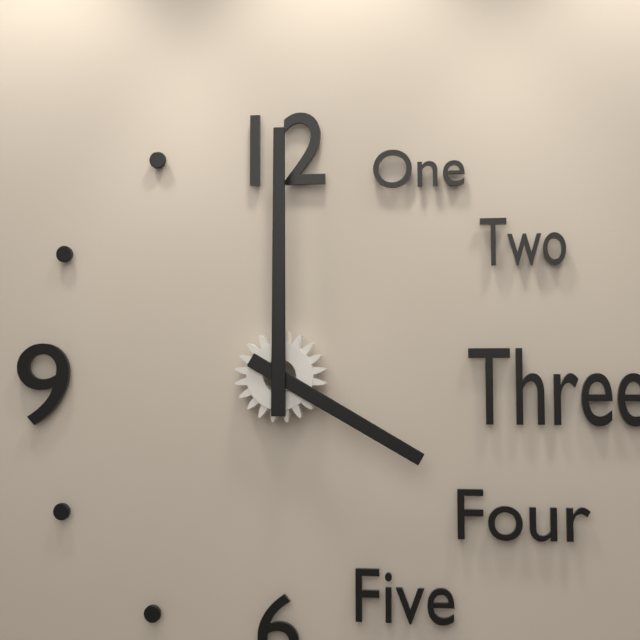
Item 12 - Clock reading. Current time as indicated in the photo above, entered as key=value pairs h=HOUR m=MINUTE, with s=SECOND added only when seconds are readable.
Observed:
h=4 m=0
